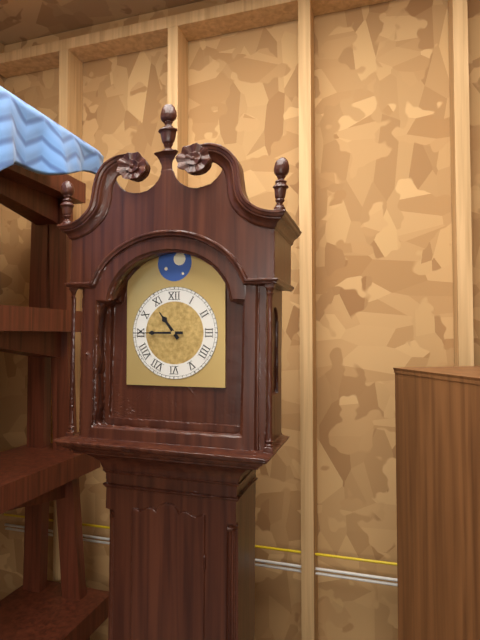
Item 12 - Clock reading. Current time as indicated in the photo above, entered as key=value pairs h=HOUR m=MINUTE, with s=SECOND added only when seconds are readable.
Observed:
h=10 m=45
